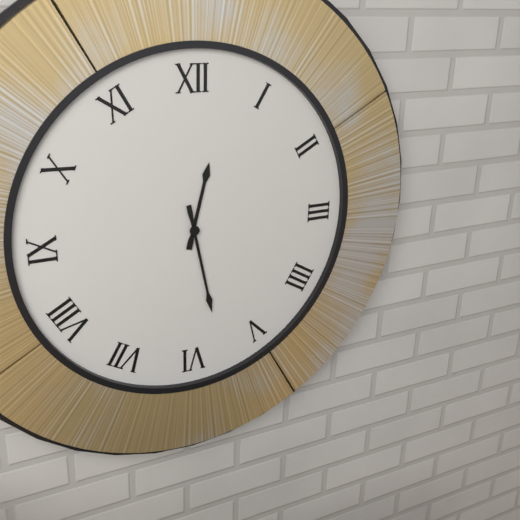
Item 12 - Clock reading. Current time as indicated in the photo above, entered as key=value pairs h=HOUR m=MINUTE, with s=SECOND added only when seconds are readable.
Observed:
h=12 m=28
